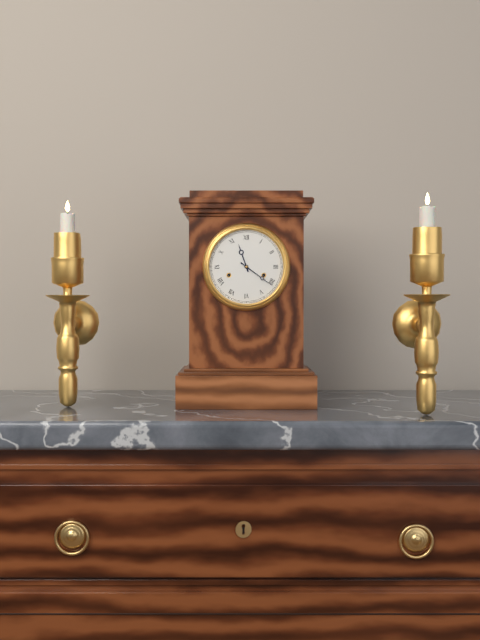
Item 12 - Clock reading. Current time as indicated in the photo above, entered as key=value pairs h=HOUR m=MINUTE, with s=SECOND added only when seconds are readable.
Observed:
h=11 m=21
